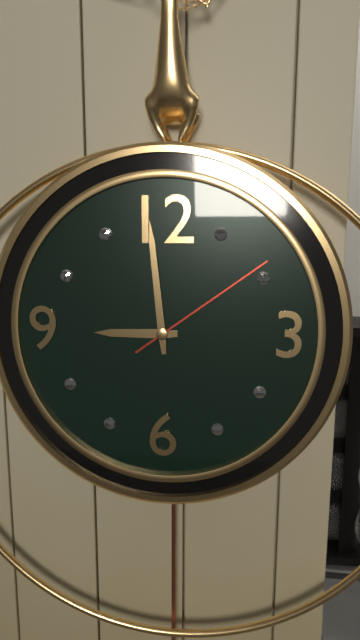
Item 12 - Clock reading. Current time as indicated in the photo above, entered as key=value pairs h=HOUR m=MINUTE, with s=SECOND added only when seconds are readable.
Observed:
h=8 m=59 s=9
